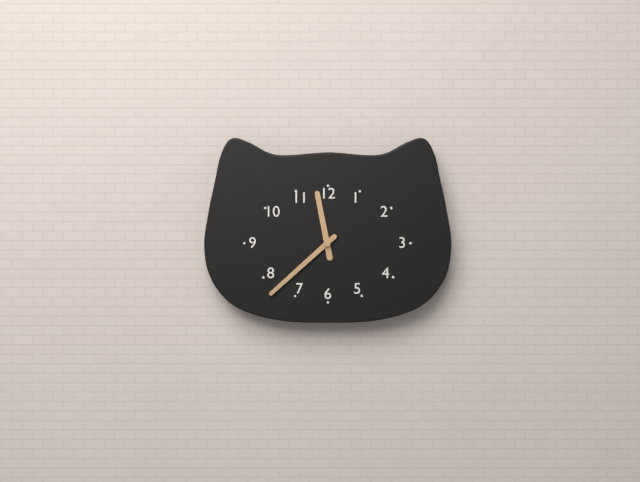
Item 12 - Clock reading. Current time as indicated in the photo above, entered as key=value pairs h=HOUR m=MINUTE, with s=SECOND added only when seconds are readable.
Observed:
h=11 m=38
